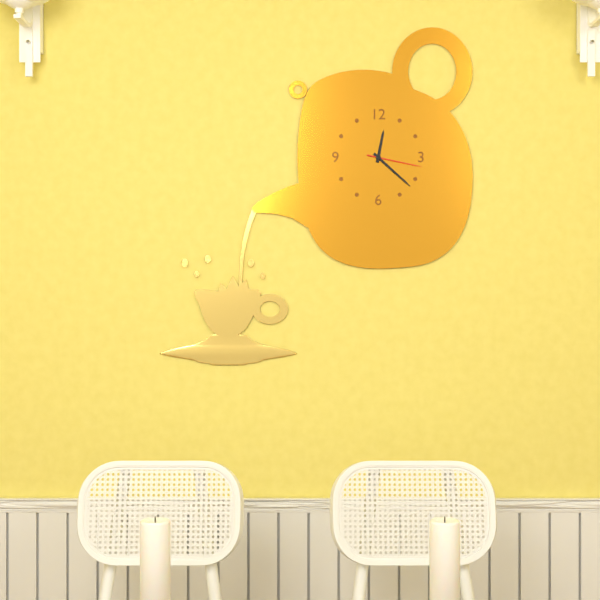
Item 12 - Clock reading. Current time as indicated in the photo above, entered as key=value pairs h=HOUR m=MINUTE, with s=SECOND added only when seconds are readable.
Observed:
h=12 m=22 s=17
